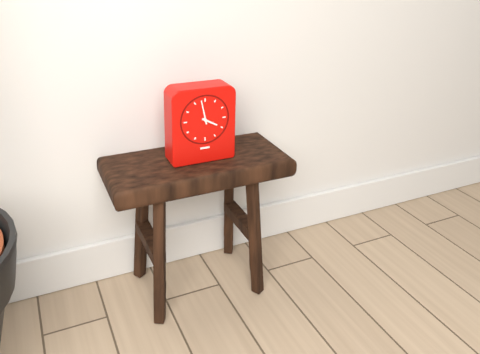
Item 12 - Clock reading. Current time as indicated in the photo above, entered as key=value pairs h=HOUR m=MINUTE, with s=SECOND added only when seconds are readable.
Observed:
h=3 m=58
